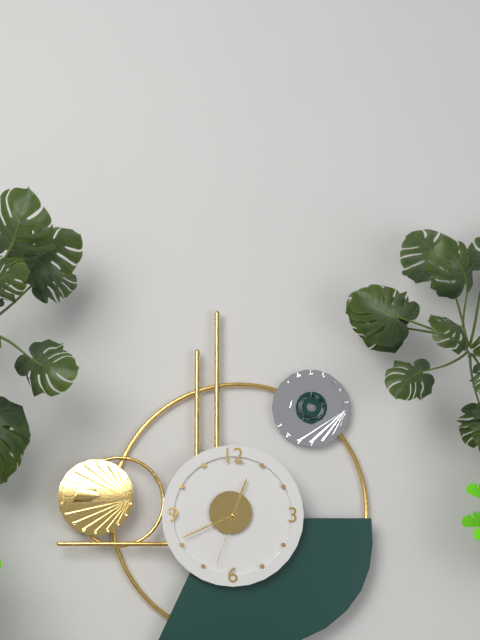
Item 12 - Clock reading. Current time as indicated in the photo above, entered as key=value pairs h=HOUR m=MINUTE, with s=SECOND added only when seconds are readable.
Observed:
h=12 m=41 s=33
